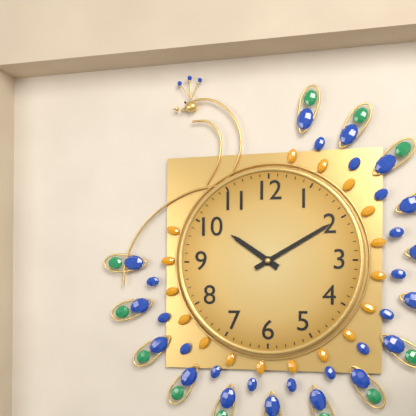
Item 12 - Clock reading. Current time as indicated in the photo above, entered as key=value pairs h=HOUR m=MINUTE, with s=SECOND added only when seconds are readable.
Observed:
h=10 m=10
